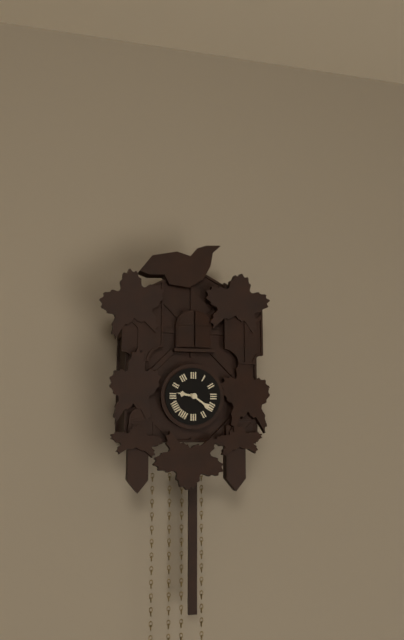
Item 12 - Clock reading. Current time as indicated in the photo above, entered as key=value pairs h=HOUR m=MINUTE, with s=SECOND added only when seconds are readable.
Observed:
h=9 m=21
